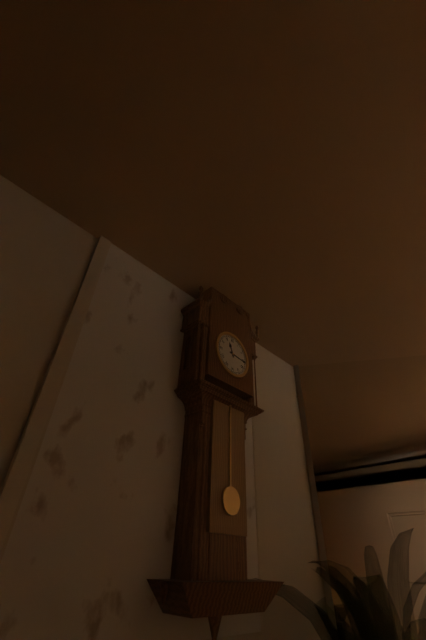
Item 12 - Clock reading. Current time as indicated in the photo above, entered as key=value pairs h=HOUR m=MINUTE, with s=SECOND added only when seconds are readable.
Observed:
h=11 m=16
